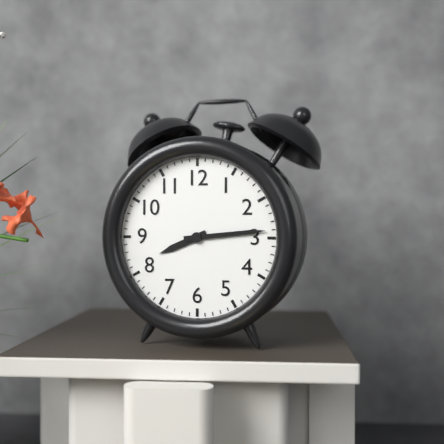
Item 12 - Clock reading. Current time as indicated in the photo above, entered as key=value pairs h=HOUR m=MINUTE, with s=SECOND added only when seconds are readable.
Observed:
h=8 m=14
